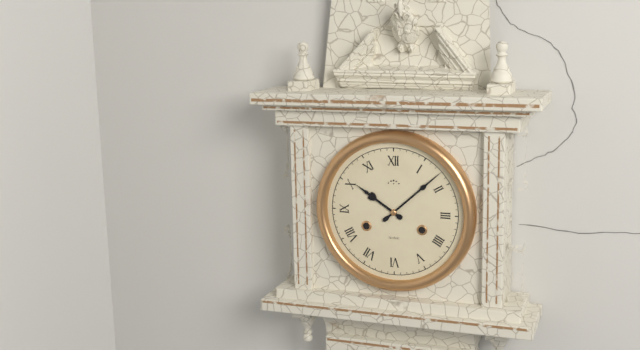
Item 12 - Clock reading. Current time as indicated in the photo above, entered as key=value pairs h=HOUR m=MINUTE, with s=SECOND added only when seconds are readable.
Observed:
h=10 m=8
